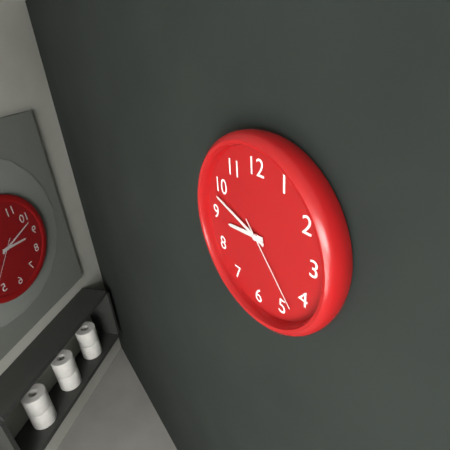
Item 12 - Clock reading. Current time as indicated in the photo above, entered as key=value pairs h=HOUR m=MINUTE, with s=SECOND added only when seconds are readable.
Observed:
h=8 m=48 s=23
